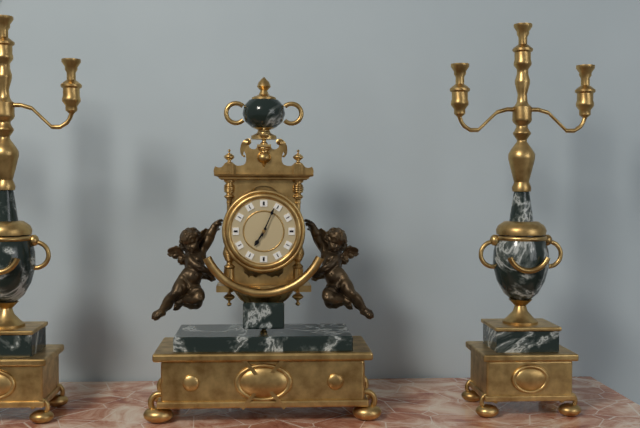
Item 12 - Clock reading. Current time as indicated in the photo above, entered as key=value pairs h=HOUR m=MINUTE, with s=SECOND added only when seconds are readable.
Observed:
h=7 m=4
